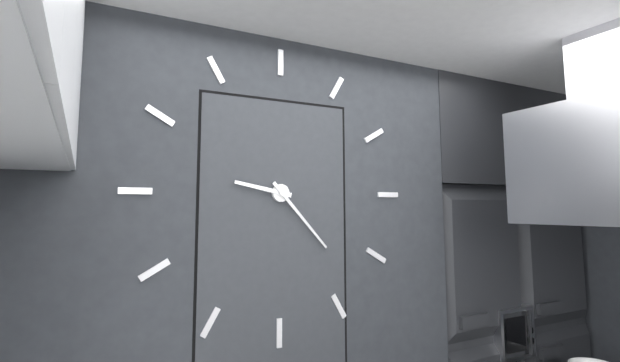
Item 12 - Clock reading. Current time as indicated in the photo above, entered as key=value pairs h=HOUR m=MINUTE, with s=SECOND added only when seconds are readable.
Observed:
h=9 m=23
